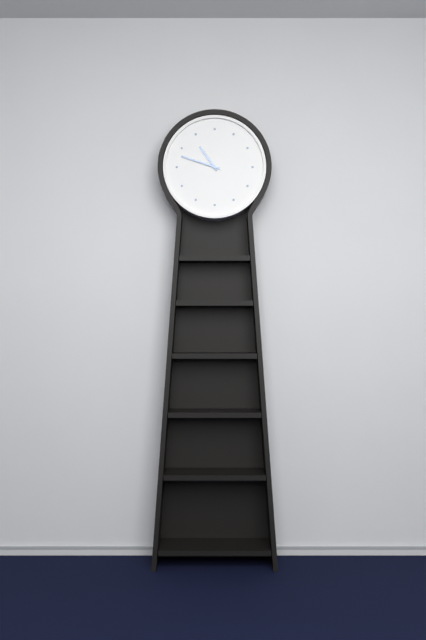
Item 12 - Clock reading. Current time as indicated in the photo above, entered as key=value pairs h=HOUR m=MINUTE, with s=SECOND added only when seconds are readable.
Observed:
h=10 m=48
